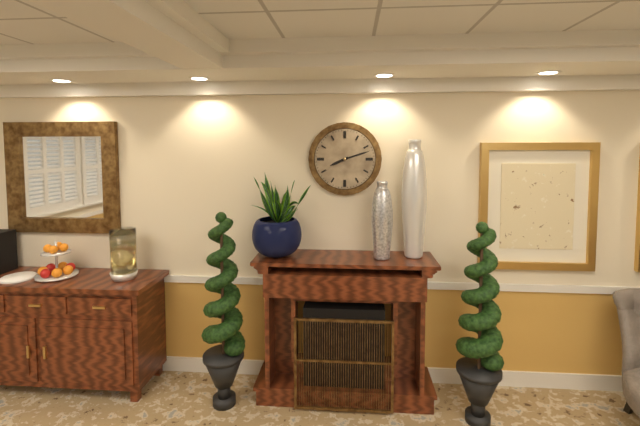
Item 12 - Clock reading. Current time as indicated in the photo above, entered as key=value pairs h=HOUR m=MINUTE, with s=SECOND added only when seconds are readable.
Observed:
h=8 m=12
